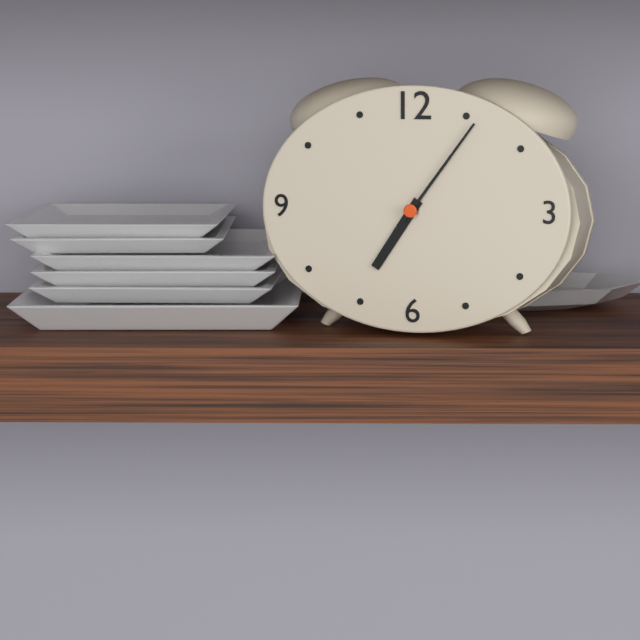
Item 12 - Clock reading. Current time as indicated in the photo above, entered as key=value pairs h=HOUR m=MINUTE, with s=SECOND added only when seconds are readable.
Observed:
h=7 m=6
